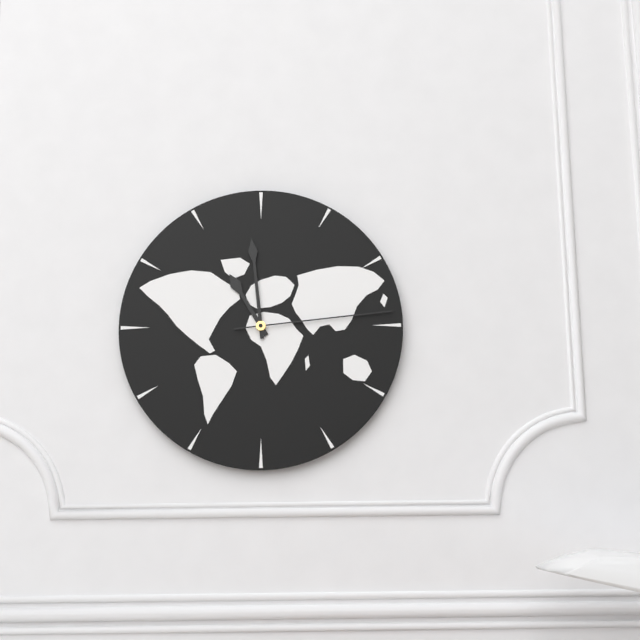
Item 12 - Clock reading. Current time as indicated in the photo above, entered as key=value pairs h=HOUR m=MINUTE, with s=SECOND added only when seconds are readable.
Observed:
h=10 m=59 s=14
